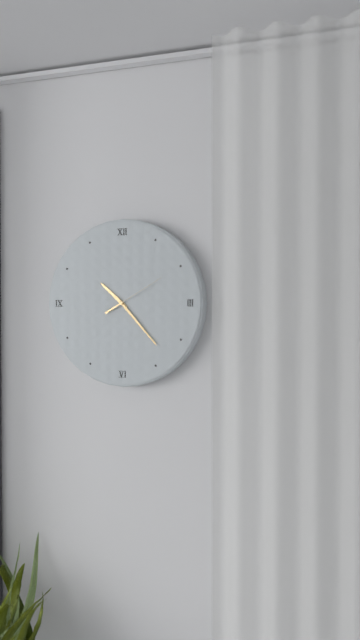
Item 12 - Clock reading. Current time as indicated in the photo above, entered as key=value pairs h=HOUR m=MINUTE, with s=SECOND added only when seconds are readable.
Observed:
h=10 m=23 s=10
